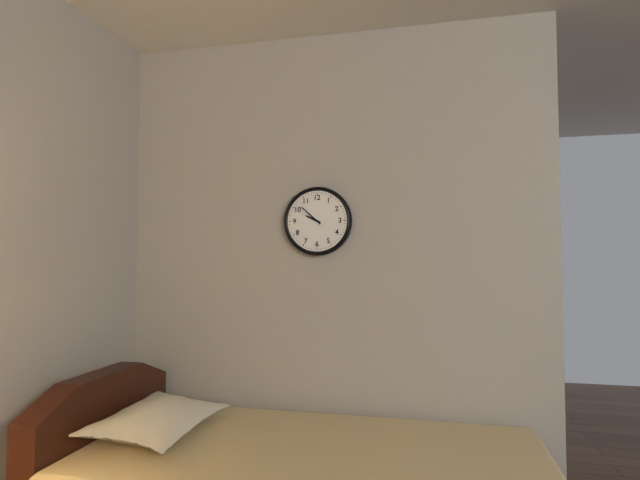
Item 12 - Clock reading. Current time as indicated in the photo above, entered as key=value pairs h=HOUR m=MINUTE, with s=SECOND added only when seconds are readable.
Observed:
h=9 m=52
